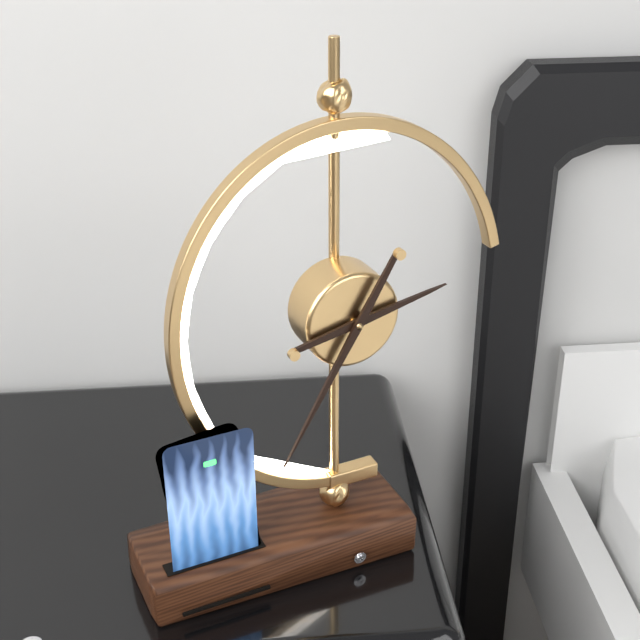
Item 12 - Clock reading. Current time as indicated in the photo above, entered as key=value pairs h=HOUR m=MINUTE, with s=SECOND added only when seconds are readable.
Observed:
h=2 m=35
